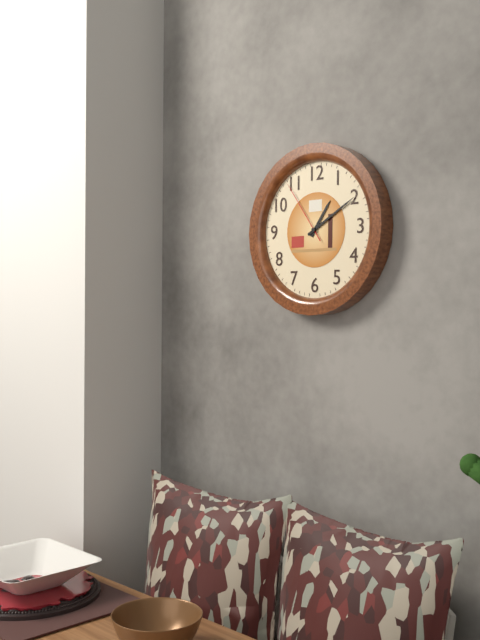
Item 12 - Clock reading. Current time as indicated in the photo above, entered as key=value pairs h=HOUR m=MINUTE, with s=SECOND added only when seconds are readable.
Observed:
h=1 m=10 s=54
